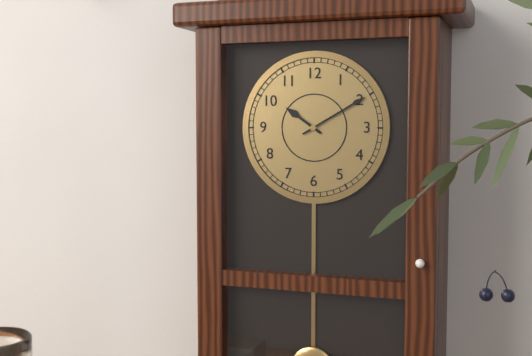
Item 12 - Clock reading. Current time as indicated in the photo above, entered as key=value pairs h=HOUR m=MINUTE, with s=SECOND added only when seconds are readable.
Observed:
h=10 m=10
